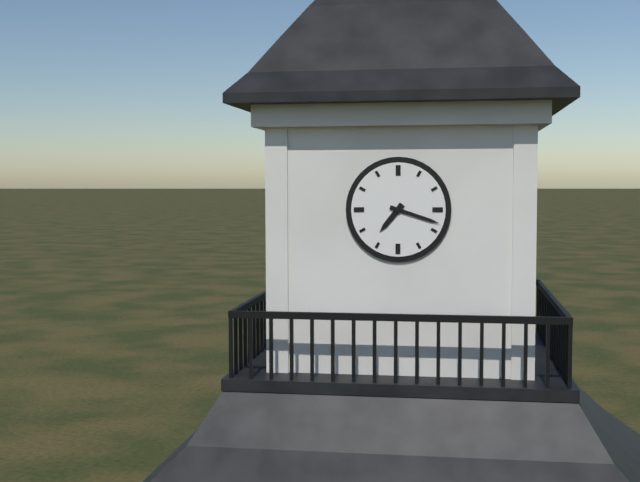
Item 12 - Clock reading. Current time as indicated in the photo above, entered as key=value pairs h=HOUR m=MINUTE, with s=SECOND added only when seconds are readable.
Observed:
h=7 m=18
